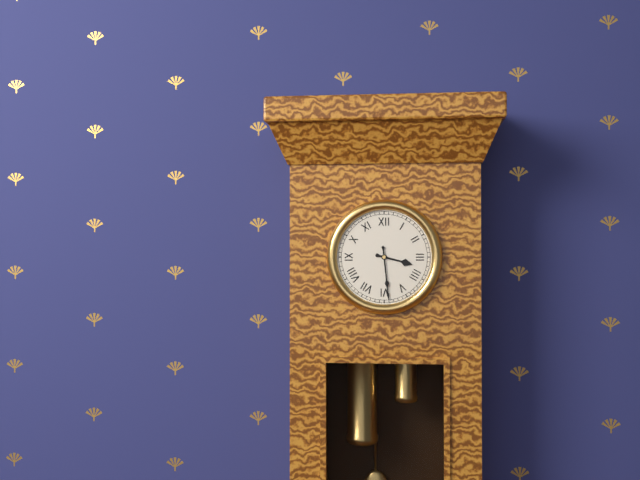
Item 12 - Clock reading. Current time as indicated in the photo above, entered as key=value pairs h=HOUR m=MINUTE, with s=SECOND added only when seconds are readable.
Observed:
h=3 m=29
